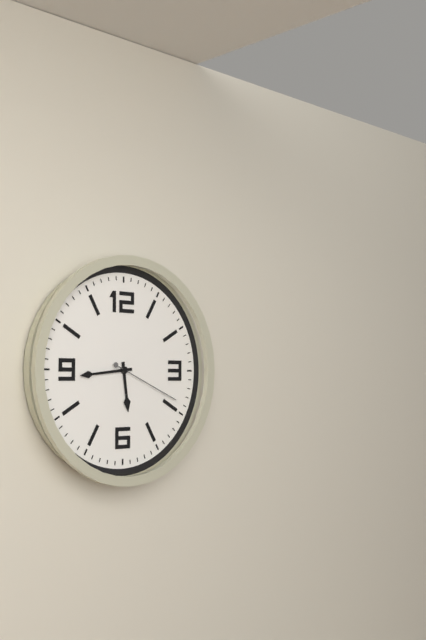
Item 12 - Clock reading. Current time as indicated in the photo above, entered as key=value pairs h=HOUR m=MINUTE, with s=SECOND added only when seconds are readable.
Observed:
h=5 m=44 s=19
